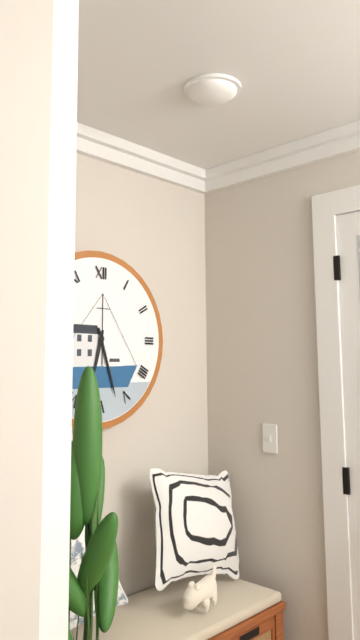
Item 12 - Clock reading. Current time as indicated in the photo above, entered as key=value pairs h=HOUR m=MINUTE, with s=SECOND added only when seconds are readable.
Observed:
h=6 m=27
